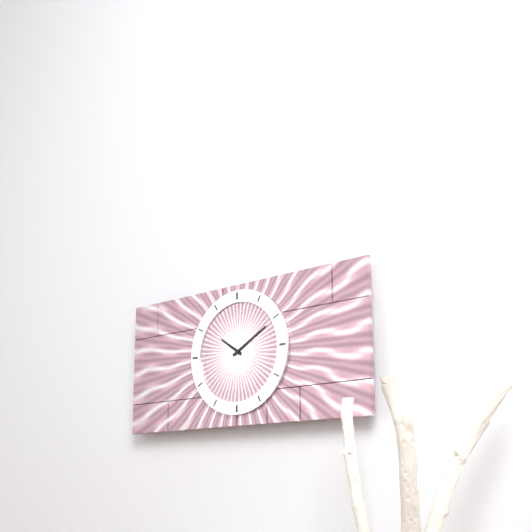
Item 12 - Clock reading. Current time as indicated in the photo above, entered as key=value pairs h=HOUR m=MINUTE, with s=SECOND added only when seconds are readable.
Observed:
h=10 m=10
